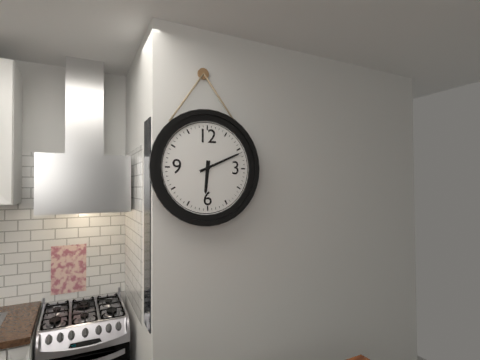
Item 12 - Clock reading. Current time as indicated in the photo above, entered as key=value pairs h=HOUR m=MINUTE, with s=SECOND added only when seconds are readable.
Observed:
h=6 m=11
